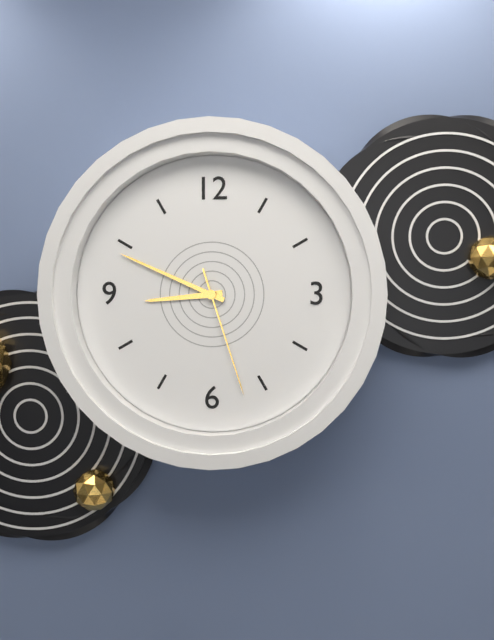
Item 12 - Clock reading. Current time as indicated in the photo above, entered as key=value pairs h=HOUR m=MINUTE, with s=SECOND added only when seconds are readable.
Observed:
h=8 m=49 s=27
